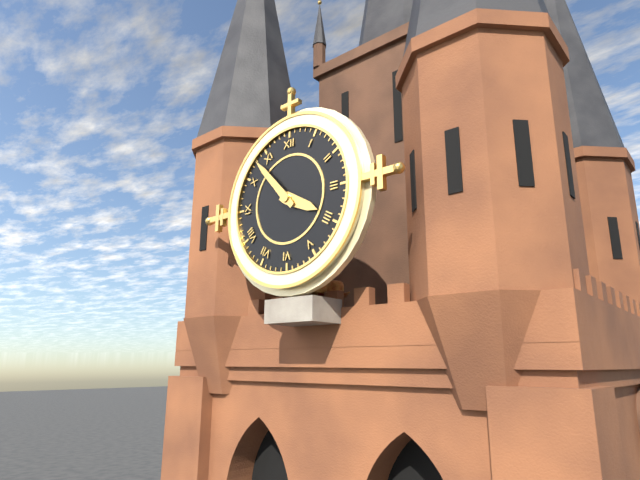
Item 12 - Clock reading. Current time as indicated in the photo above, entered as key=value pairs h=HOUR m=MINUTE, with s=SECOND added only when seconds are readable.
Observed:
h=3 m=53
